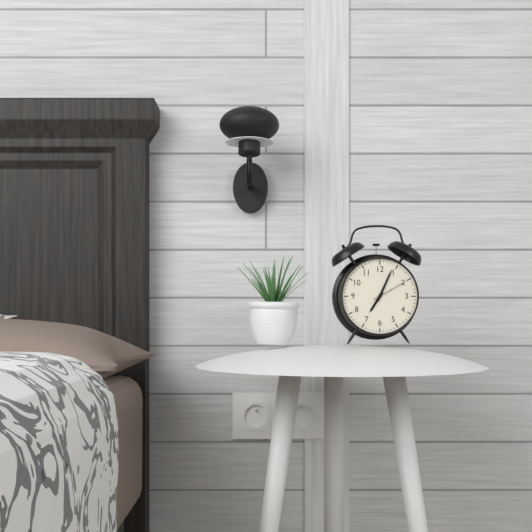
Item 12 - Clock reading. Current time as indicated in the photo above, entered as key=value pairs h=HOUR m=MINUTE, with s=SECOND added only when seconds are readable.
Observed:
h=7 m=4
